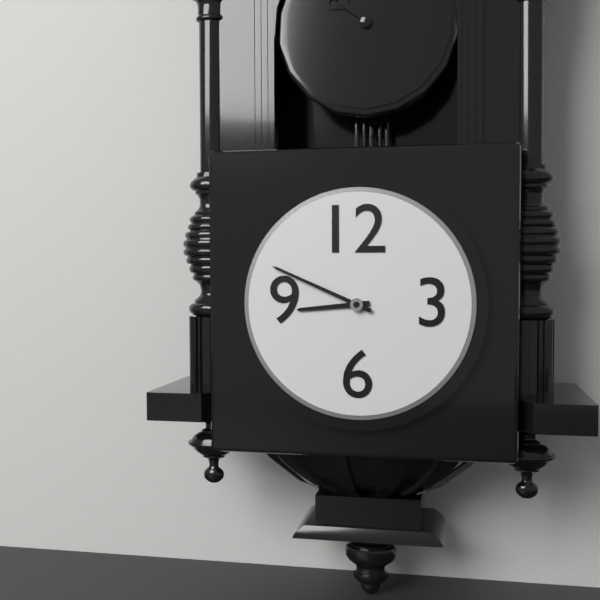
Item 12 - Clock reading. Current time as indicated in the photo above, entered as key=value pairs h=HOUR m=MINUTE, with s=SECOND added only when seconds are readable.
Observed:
h=8 m=49
